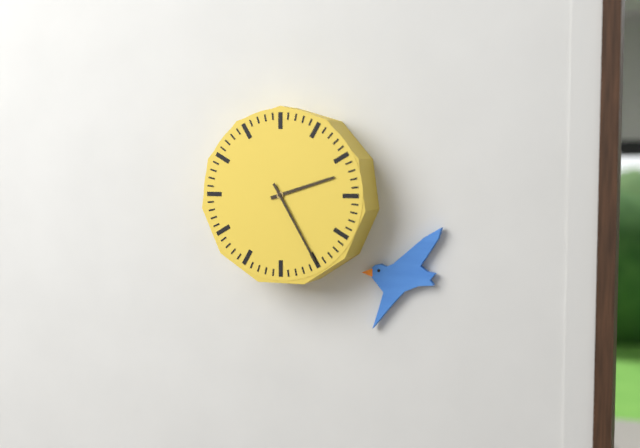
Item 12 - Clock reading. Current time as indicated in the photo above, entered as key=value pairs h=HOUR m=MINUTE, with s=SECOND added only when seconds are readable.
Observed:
h=2 m=25
